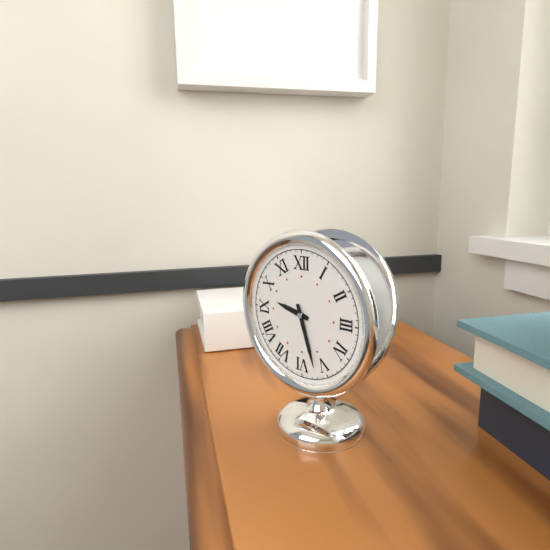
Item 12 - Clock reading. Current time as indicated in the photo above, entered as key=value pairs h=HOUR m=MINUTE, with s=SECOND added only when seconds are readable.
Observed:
h=9 m=27
